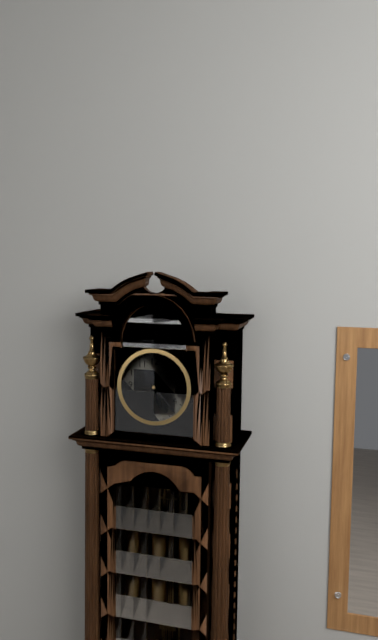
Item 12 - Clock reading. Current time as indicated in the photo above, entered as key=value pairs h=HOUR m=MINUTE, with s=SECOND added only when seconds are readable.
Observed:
h=5 m=23
